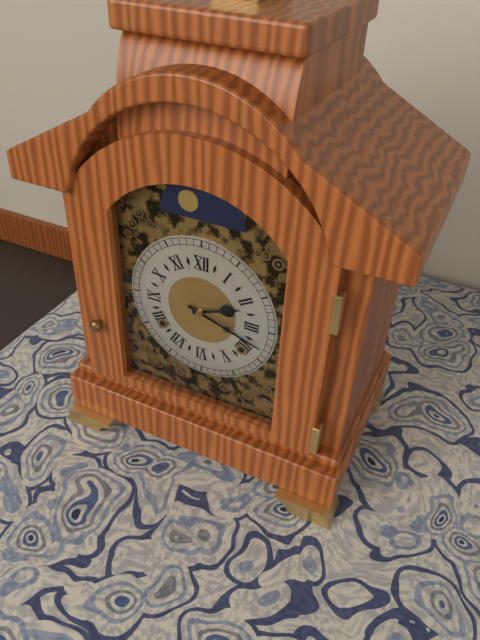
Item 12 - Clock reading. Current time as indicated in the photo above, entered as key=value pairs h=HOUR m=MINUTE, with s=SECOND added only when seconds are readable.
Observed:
h=2 m=18
